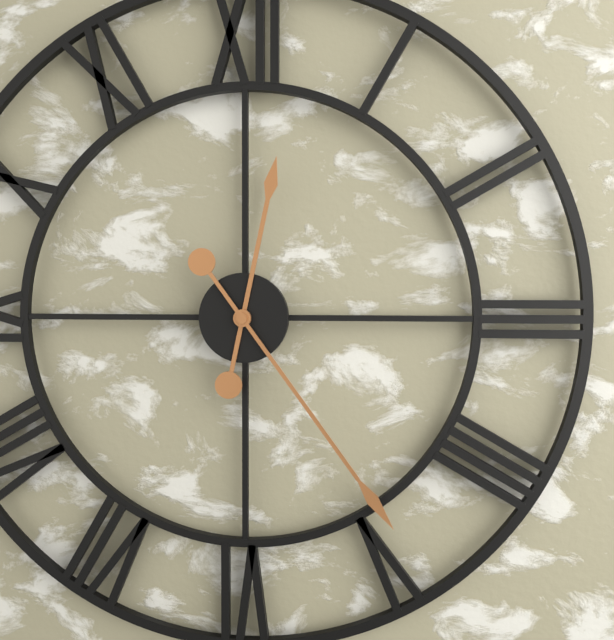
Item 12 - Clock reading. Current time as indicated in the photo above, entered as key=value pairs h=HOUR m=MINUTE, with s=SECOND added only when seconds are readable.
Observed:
h=12 m=24
